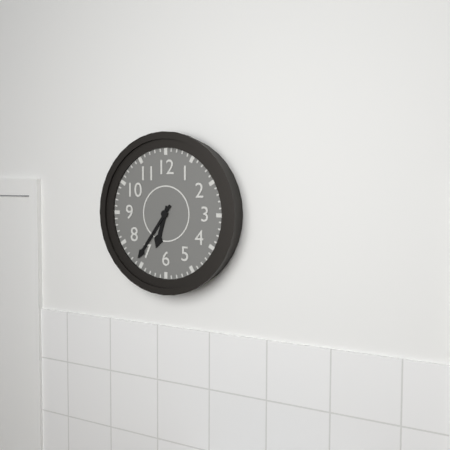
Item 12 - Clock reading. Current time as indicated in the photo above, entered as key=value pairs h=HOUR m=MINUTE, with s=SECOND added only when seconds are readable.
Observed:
h=6 m=36
